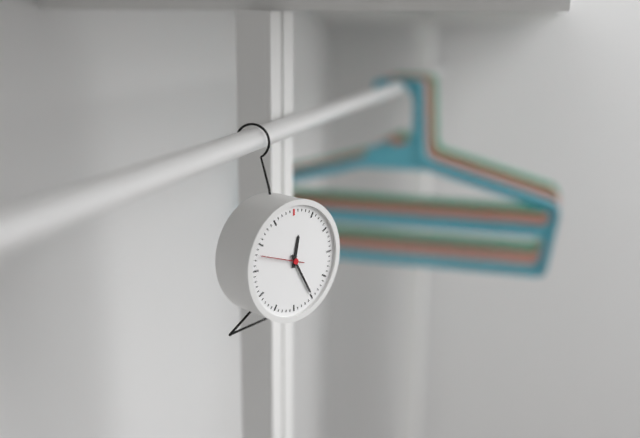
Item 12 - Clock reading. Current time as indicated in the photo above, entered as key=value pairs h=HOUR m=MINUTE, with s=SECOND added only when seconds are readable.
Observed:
h=12 m=25
